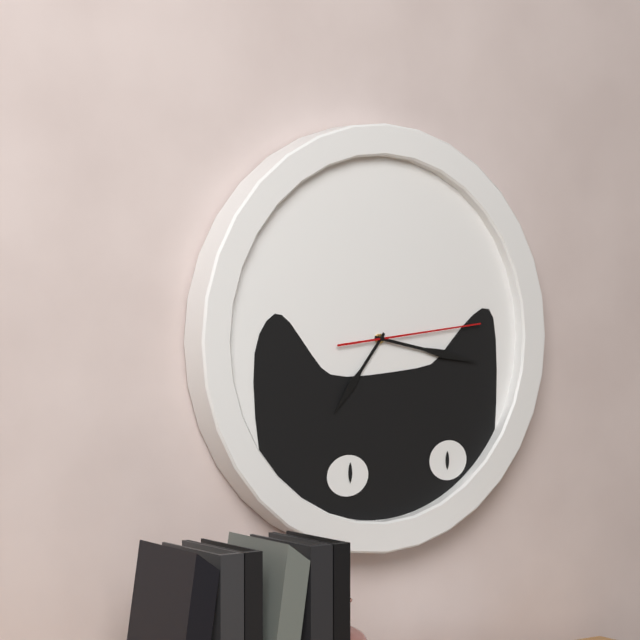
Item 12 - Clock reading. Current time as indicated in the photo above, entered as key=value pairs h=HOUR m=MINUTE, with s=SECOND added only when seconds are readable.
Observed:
h=7 m=17 s=14
